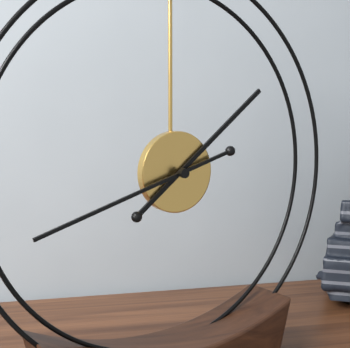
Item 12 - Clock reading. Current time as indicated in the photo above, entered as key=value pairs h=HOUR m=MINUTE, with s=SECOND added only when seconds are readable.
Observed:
h=1 m=42
